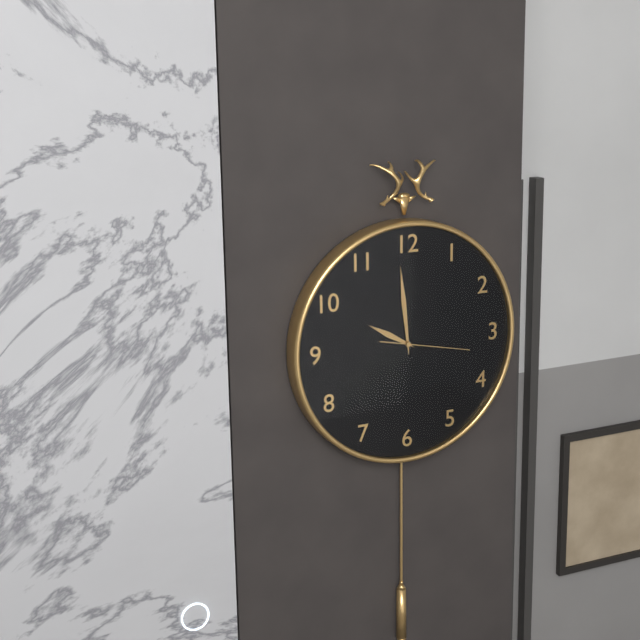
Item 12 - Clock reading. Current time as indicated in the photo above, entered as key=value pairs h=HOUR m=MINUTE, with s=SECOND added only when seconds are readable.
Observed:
h=9 m=59 s=17
